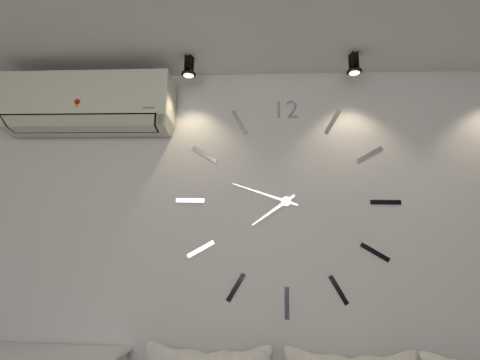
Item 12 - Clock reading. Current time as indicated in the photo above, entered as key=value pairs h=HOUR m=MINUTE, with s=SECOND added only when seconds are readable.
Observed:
h=7 m=48
